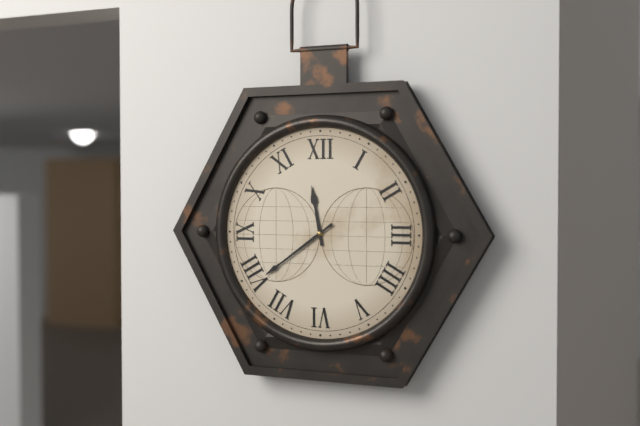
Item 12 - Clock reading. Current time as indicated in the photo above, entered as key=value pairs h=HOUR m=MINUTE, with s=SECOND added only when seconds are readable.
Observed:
h=11 m=39
